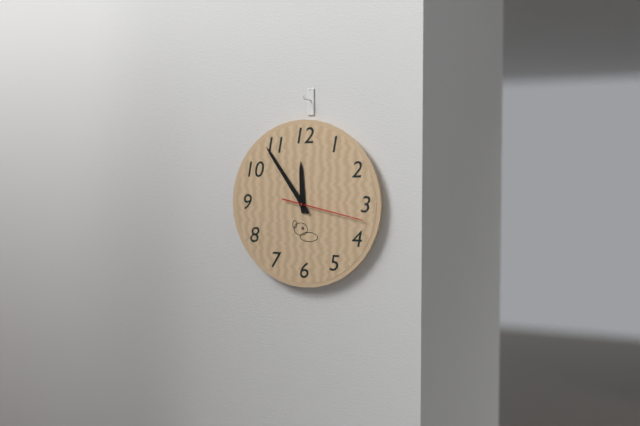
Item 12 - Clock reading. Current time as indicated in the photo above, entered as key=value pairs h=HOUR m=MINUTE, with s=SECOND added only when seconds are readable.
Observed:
h=11 m=54 s=17
